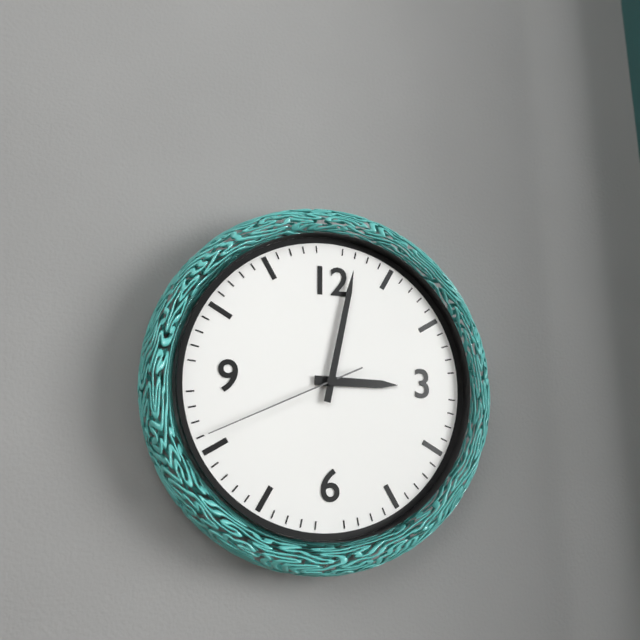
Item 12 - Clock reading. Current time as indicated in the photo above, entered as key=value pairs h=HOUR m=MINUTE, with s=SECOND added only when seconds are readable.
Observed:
h=3 m=2 s=41
